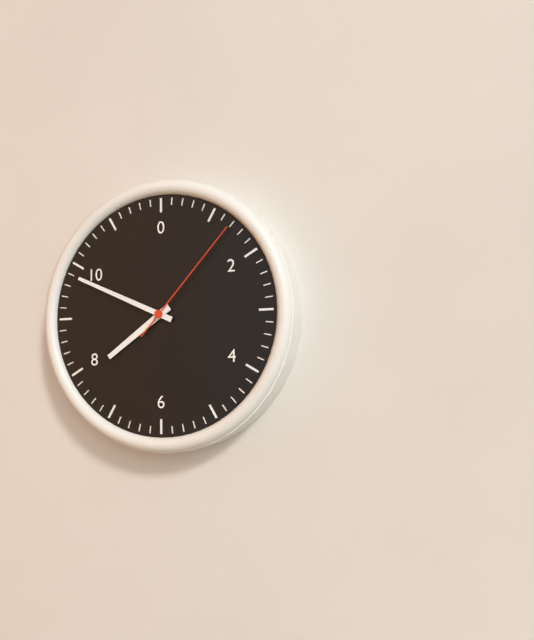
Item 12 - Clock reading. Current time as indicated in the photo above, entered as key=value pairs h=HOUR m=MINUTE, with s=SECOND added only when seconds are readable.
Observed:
h=7 m=49 s=7
